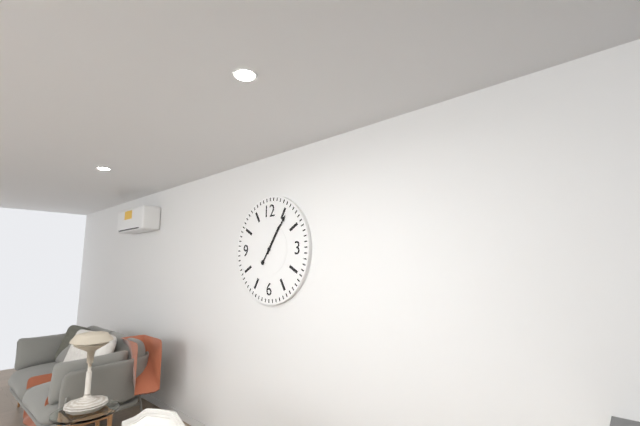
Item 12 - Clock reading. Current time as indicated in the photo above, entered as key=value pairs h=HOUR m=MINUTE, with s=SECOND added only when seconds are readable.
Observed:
h=1 m=6
